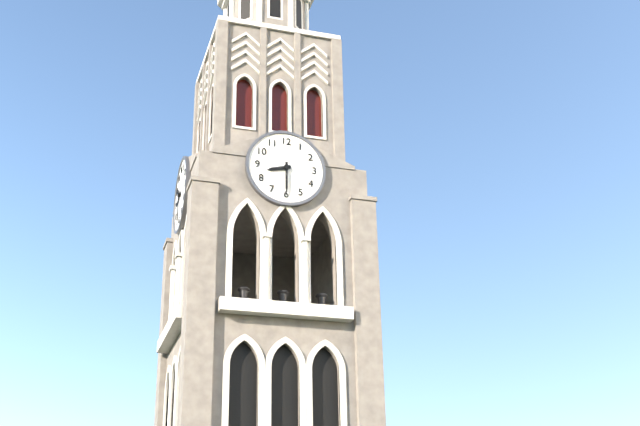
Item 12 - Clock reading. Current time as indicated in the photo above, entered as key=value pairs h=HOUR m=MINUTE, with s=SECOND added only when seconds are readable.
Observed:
h=8 m=30
